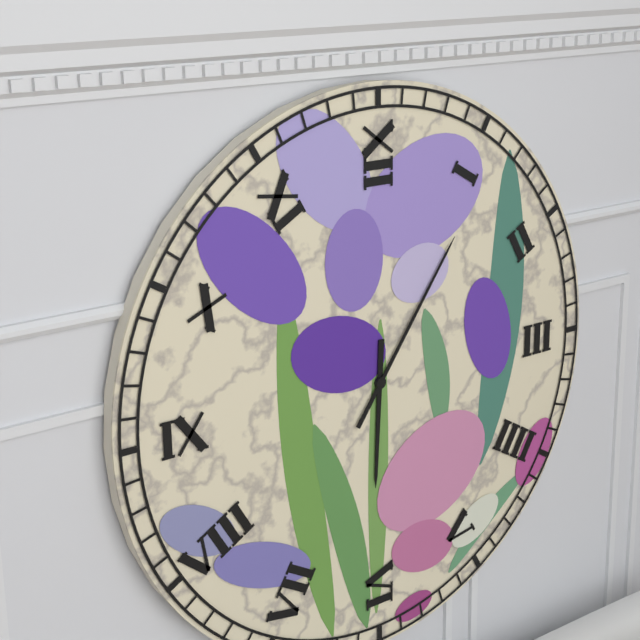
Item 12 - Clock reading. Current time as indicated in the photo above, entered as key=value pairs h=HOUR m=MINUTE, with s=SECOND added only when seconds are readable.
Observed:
h=6 m=6
